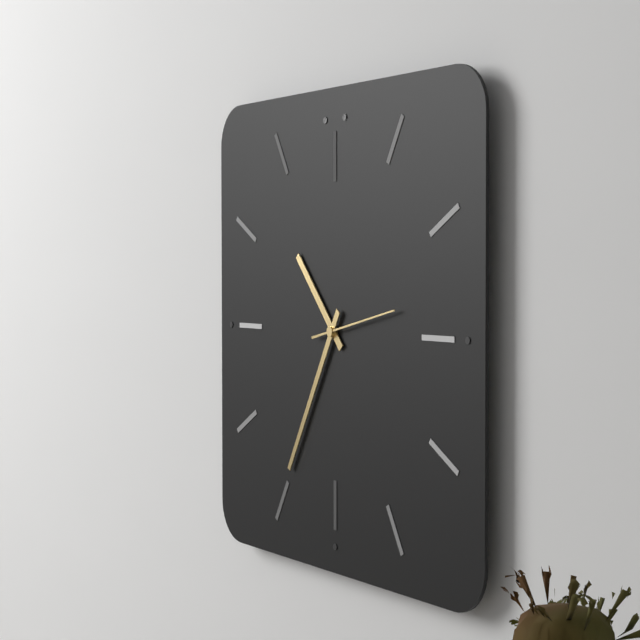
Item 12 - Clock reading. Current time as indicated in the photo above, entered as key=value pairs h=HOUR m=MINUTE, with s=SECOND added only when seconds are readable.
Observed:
h=10 m=35 s=13
